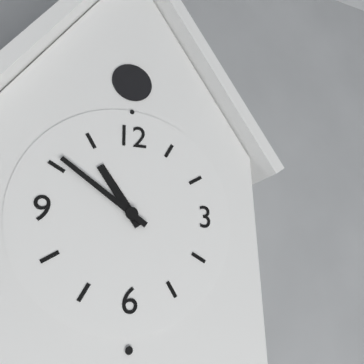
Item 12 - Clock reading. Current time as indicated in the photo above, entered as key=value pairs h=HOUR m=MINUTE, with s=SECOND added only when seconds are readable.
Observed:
h=10 m=51
